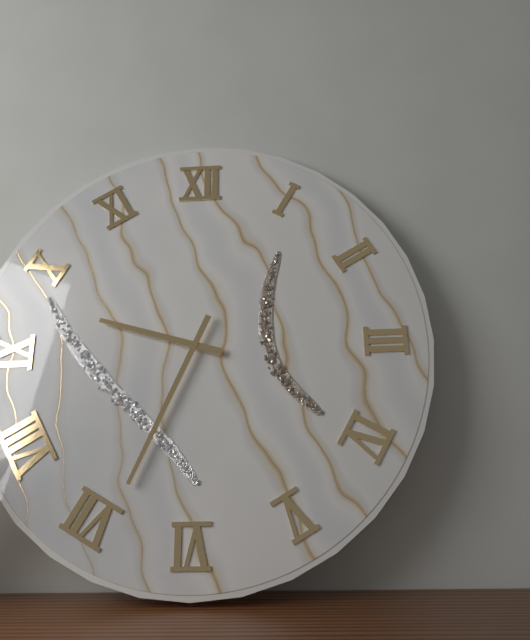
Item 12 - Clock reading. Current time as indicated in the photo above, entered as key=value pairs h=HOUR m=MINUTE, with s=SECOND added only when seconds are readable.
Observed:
h=9 m=34
